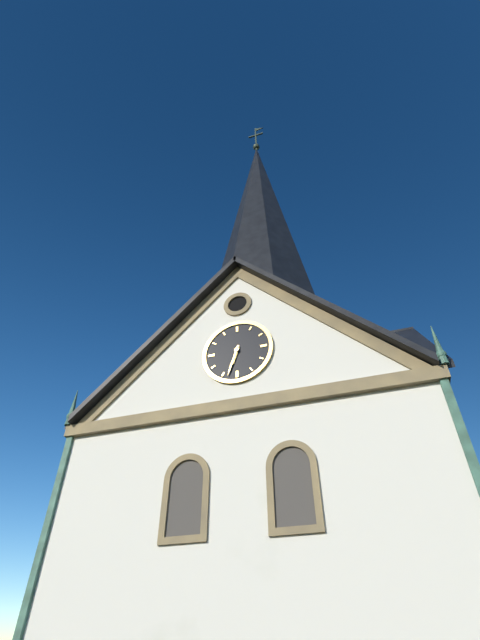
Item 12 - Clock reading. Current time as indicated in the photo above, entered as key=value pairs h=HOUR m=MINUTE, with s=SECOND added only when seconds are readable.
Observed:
h=6 m=33
